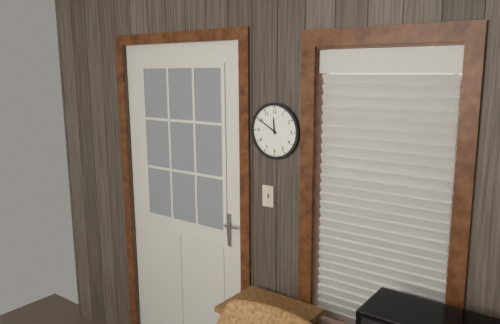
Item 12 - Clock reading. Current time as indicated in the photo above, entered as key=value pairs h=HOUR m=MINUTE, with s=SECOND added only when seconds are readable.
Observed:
h=11 m=50
